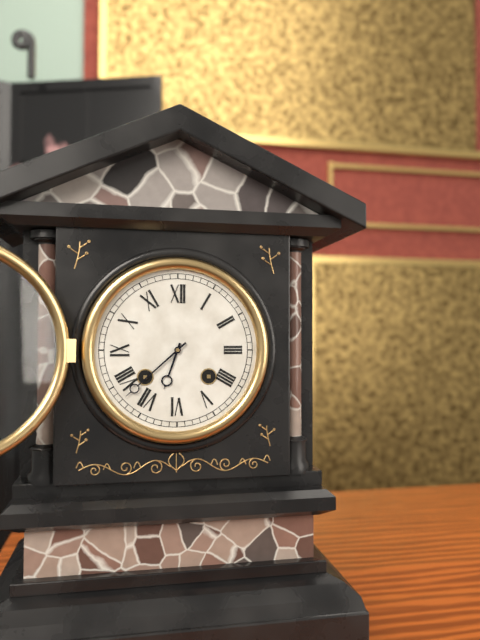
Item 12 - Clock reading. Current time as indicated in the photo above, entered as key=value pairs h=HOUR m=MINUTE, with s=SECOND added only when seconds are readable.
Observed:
h=6 m=38
